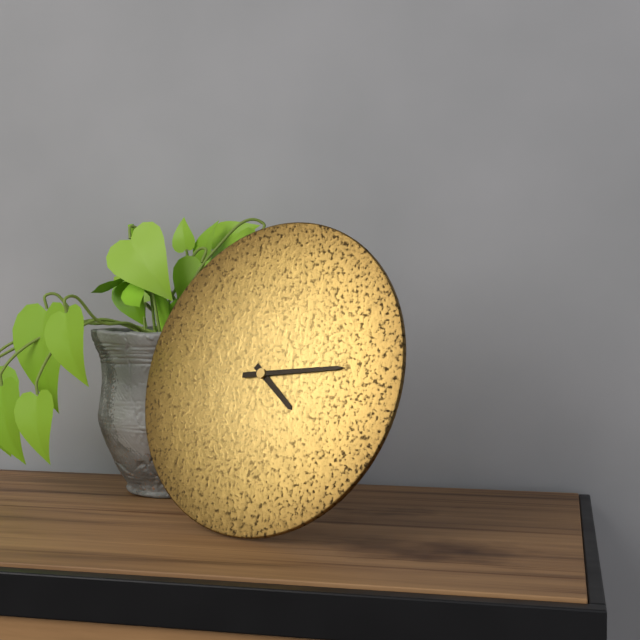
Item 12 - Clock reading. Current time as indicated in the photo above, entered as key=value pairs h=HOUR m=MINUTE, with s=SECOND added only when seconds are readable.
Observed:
h=4 m=14
